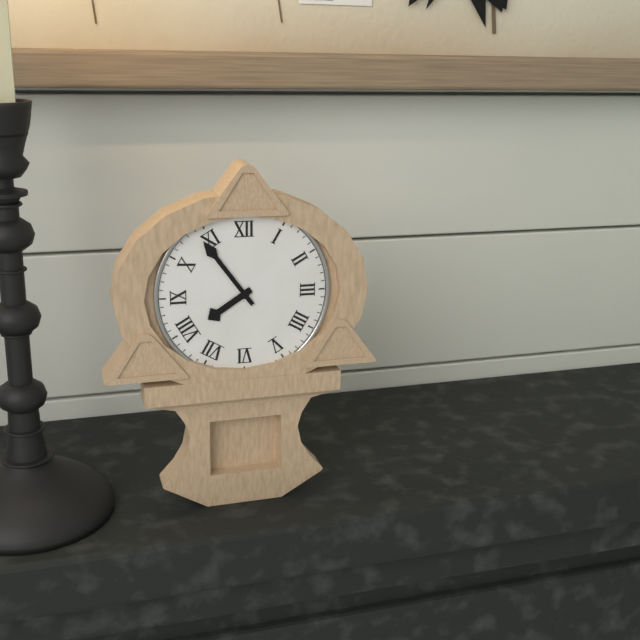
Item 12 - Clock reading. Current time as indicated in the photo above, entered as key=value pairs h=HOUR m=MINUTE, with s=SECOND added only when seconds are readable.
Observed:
h=7 m=54
